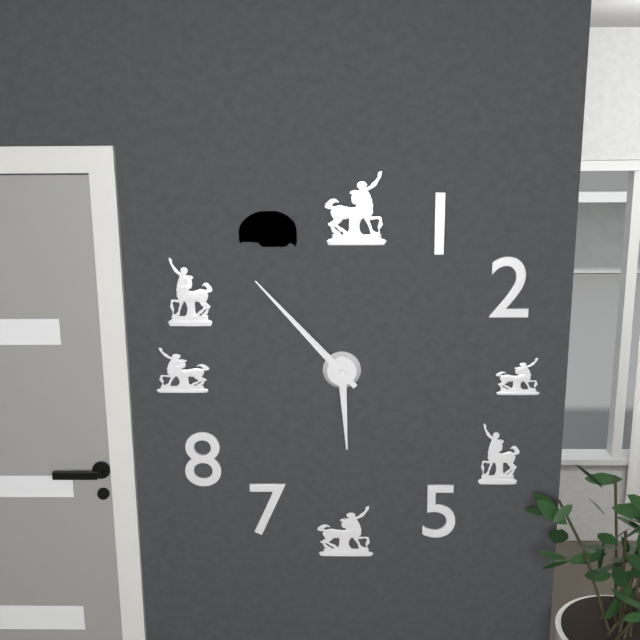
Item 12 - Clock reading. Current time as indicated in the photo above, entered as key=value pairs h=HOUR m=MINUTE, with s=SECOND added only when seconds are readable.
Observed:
h=5 m=53
